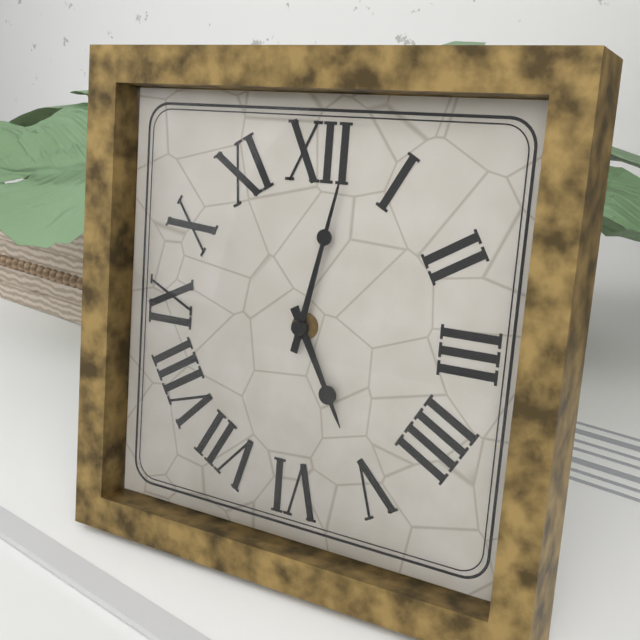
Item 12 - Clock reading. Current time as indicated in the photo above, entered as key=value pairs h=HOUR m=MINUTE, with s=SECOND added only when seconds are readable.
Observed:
h=5 m=2
